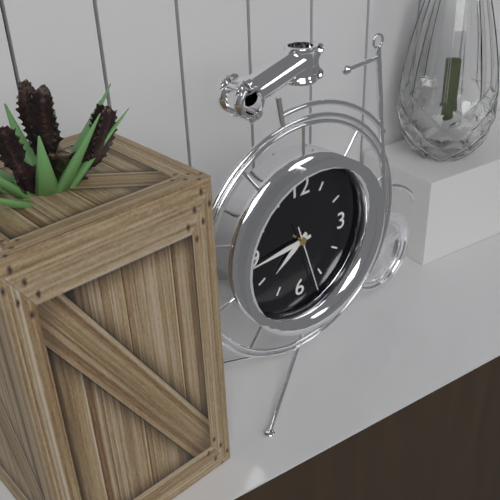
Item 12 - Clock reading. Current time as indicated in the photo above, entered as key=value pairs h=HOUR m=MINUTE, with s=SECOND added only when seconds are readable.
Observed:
h=7 m=44 s=27
